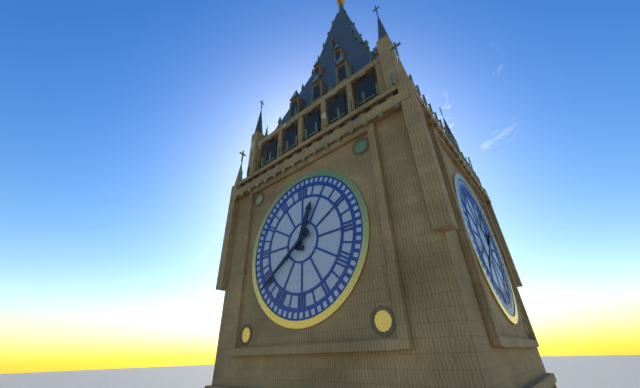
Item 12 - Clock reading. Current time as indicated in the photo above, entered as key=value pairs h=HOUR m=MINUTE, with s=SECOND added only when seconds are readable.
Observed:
h=12 m=39
